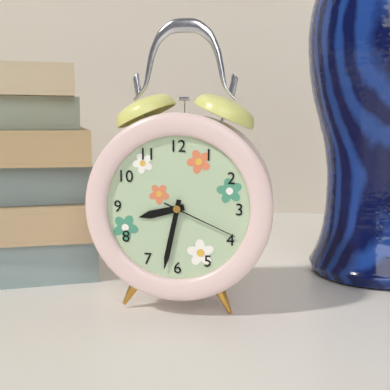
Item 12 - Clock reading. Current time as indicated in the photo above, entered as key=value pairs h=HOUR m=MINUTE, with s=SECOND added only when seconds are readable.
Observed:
h=8 m=32 s=19
